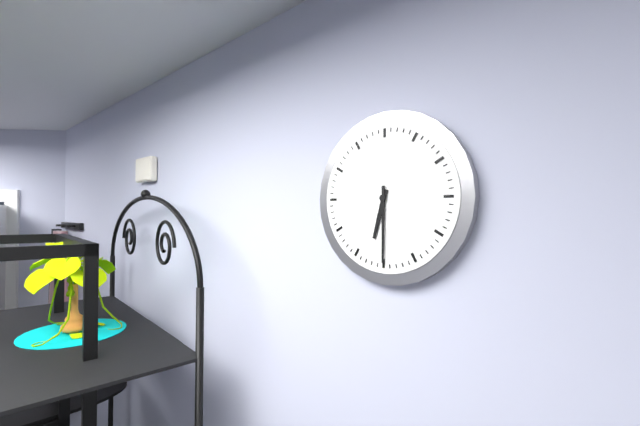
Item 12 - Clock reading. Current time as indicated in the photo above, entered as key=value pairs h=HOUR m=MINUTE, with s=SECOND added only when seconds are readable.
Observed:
h=6 m=30
